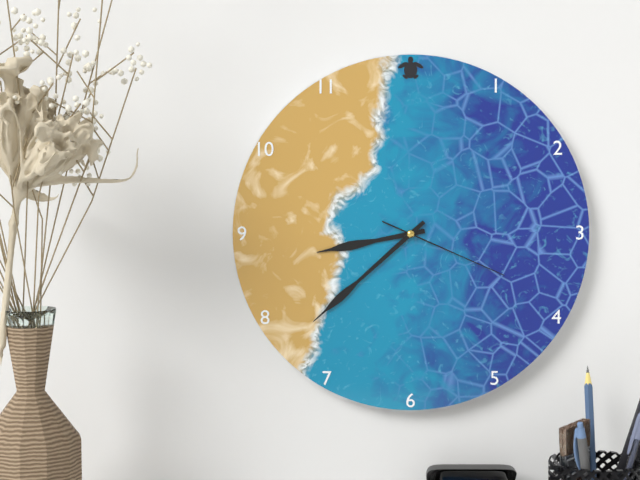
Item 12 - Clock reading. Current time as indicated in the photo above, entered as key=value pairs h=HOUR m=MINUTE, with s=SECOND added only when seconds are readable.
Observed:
h=8 m=38 s=19
